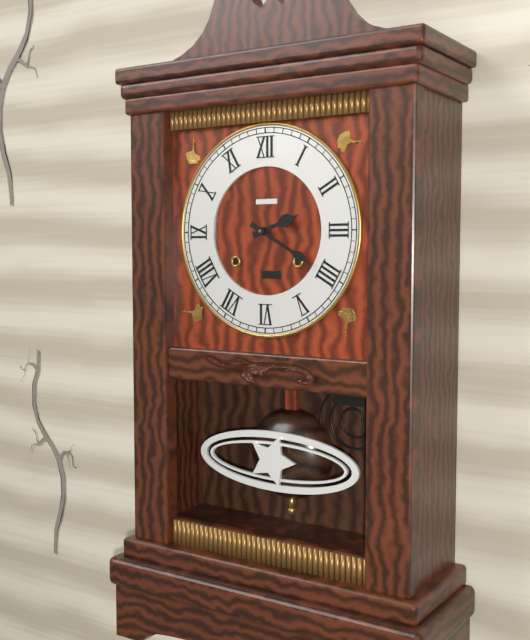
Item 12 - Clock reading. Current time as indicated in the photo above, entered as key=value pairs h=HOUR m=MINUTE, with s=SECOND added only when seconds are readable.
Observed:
h=2 m=20
